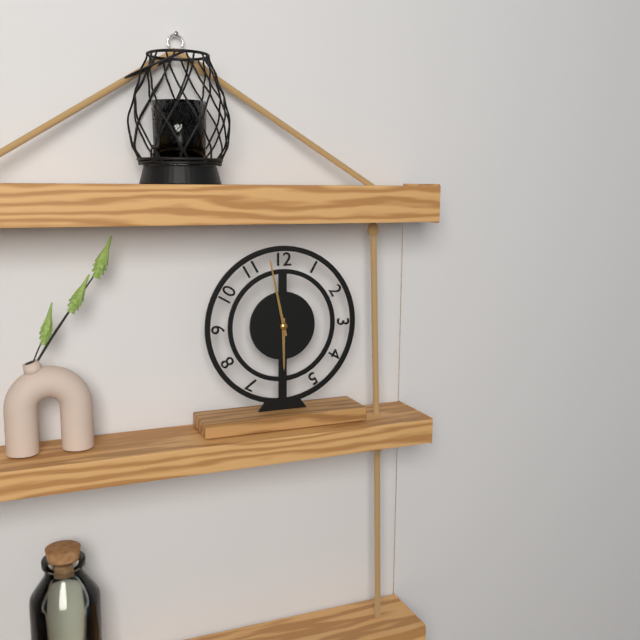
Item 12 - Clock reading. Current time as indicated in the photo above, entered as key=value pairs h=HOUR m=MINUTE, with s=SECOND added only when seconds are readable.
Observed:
h=5 m=58
